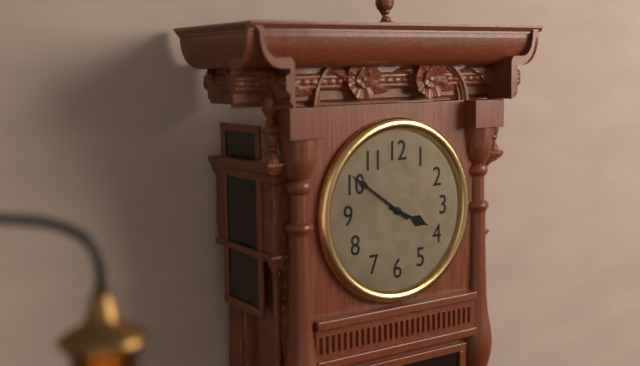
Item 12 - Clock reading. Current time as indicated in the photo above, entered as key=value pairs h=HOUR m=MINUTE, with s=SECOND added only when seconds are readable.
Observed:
h=3 m=51
